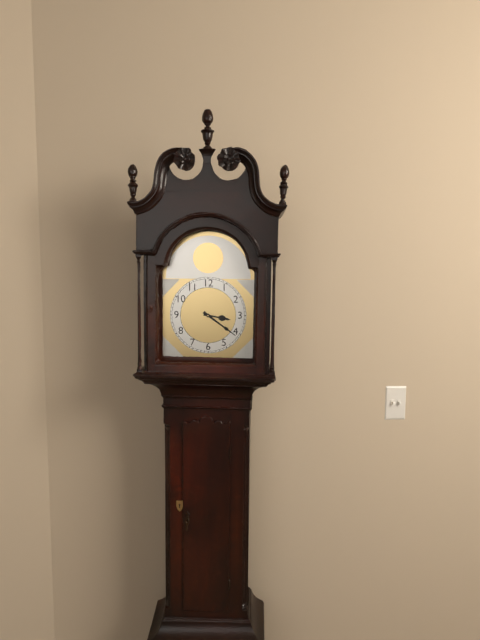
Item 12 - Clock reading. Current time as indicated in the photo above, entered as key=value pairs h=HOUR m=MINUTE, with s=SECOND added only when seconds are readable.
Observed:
h=3 m=21
